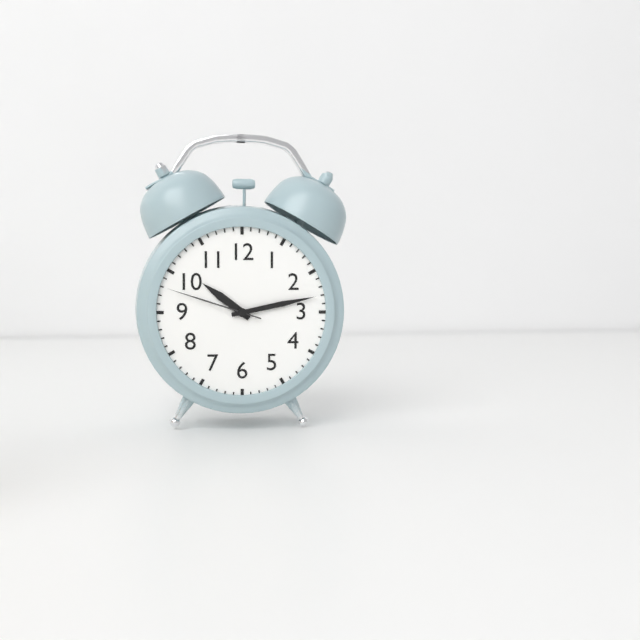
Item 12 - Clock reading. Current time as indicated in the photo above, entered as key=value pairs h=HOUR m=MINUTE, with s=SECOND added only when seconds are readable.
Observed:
h=10 m=13 s=48
